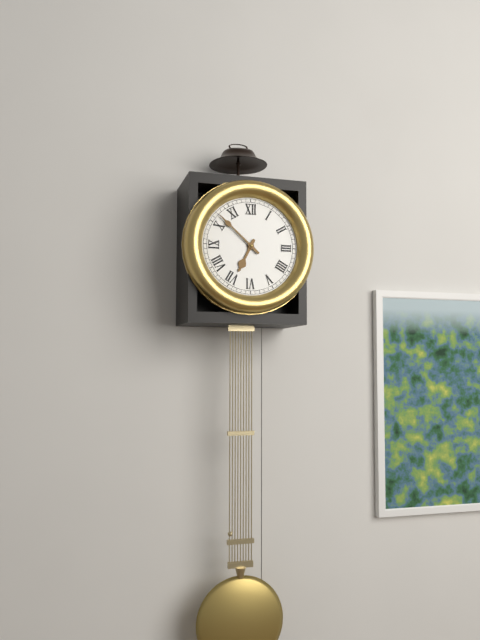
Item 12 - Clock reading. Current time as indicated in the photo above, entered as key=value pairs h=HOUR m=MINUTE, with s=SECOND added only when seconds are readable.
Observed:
h=6 m=52
